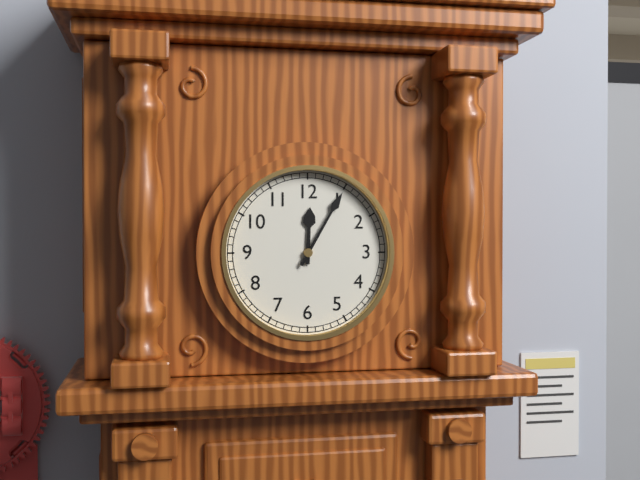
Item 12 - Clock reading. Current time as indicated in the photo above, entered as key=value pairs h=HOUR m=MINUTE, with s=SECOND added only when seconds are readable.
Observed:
h=12 m=5
